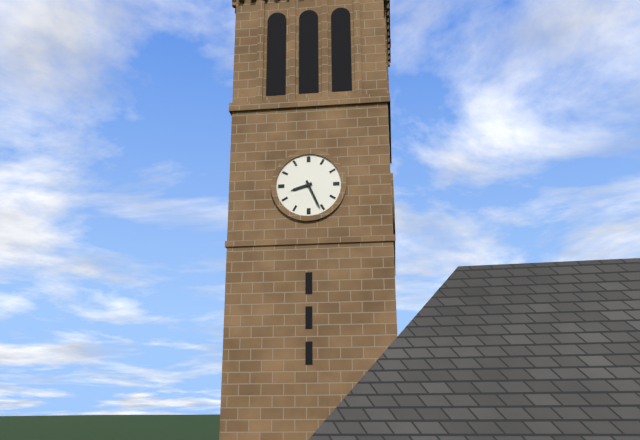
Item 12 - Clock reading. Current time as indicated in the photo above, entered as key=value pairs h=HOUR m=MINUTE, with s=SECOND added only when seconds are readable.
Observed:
h=8 m=26
